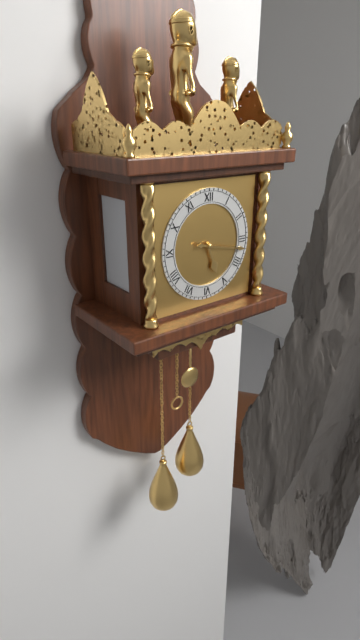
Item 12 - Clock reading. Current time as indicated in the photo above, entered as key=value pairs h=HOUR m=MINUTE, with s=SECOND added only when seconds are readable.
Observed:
h=5 m=17
